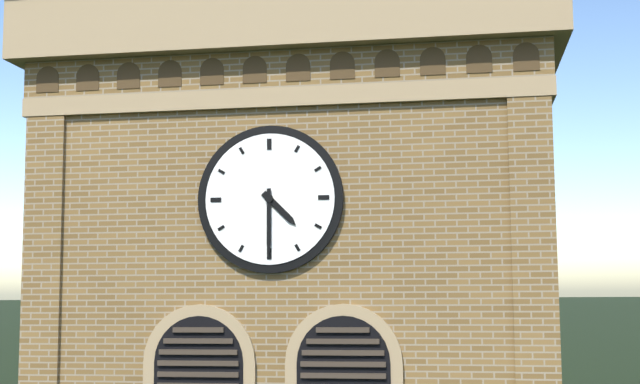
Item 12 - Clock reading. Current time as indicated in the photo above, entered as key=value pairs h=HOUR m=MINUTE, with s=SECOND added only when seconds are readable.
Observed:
h=4 m=30
